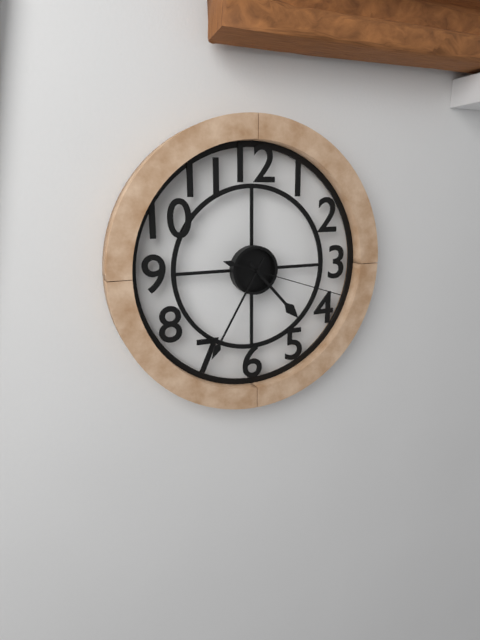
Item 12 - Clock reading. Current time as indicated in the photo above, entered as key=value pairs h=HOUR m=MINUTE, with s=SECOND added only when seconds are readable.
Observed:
h=4 m=35 s=18
